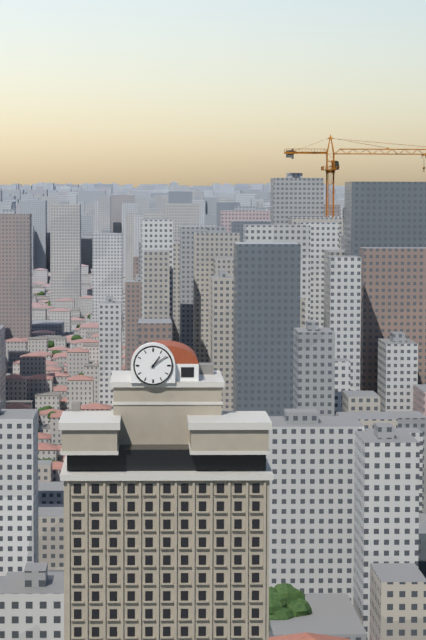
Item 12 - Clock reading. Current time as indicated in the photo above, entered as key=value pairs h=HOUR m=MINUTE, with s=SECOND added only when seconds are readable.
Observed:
h=1 m=9
